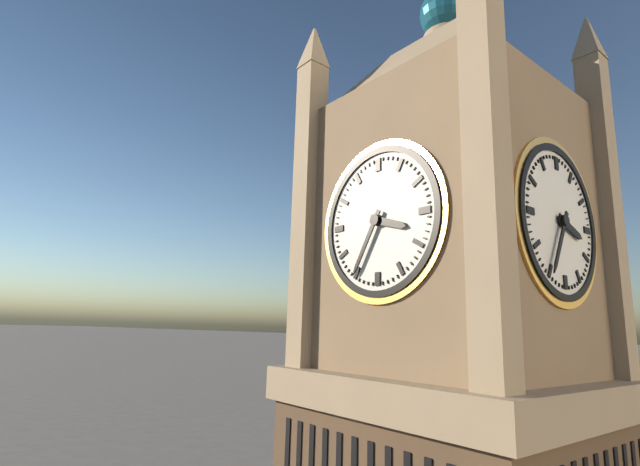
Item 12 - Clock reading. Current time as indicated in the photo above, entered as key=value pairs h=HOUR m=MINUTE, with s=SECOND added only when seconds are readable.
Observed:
h=3 m=35
